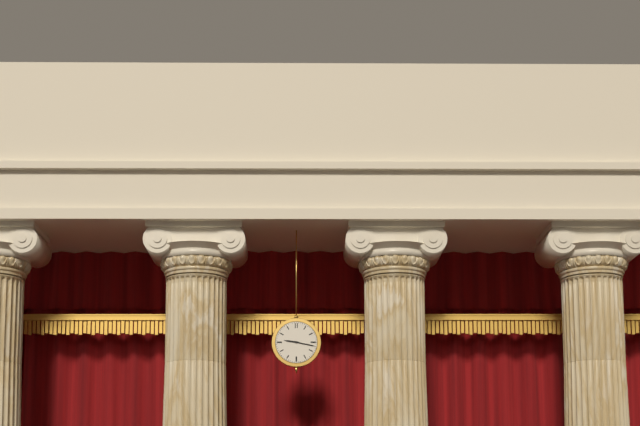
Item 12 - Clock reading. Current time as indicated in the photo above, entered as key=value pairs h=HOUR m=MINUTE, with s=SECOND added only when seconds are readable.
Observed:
h=9 m=17
